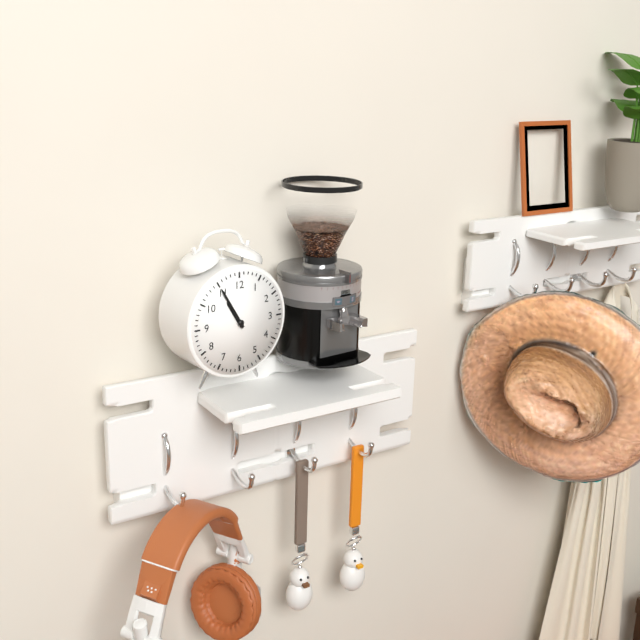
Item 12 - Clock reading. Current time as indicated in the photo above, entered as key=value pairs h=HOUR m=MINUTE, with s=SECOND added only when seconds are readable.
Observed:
h=10 m=55
